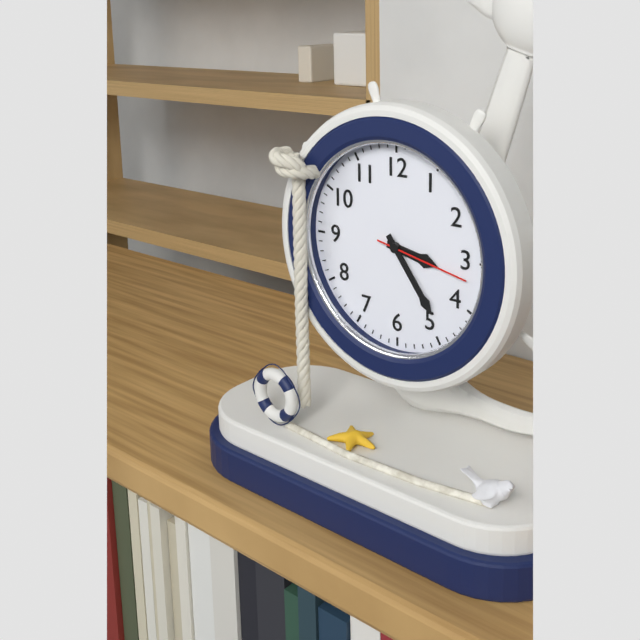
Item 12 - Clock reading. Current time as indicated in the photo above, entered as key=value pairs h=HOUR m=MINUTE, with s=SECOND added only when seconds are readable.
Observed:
h=3 m=24 s=17
